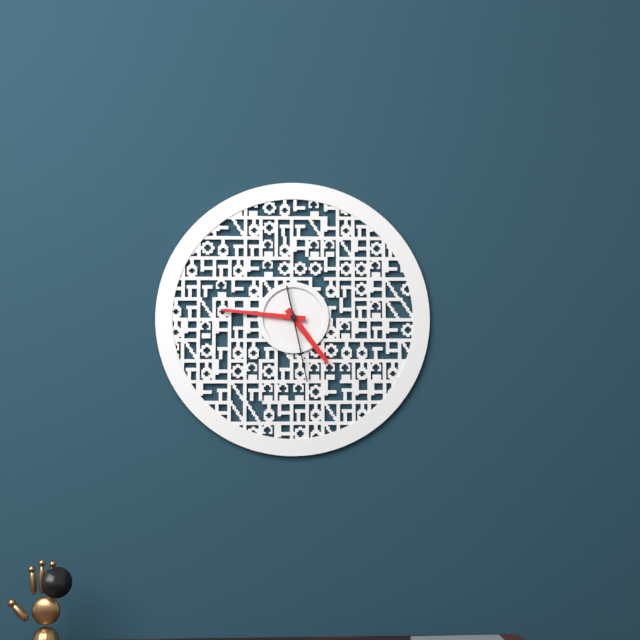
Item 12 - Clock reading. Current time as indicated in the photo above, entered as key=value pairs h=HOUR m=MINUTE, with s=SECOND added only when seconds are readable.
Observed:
h=4 m=46 s=28
